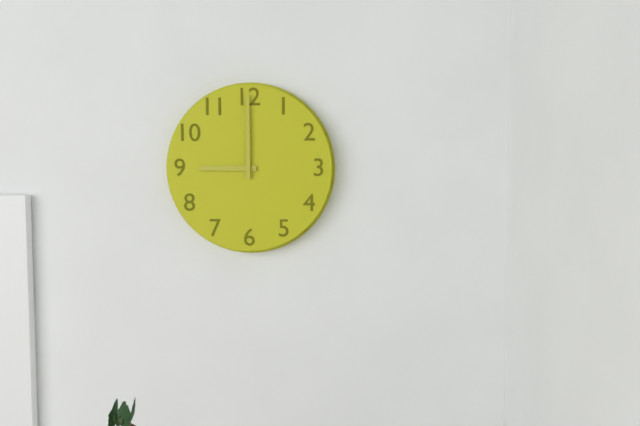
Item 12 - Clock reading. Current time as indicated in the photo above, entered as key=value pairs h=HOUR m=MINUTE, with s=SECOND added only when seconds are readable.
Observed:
h=9 m=0
